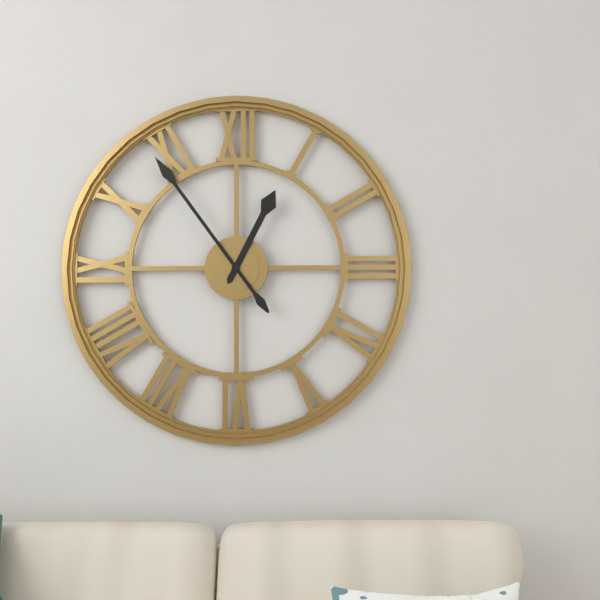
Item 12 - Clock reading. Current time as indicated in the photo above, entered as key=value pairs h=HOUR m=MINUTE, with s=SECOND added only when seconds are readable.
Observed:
h=12 m=54
